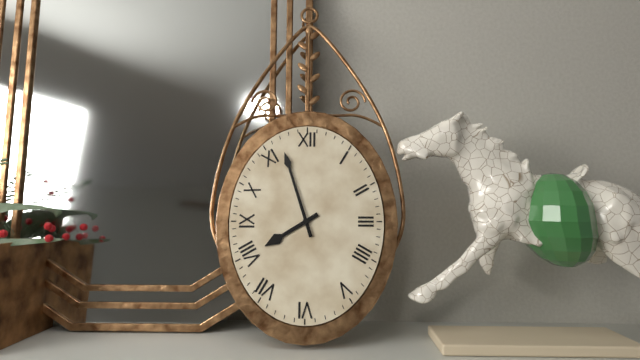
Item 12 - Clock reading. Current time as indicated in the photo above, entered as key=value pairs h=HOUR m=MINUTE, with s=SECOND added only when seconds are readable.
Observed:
h=7 m=57
